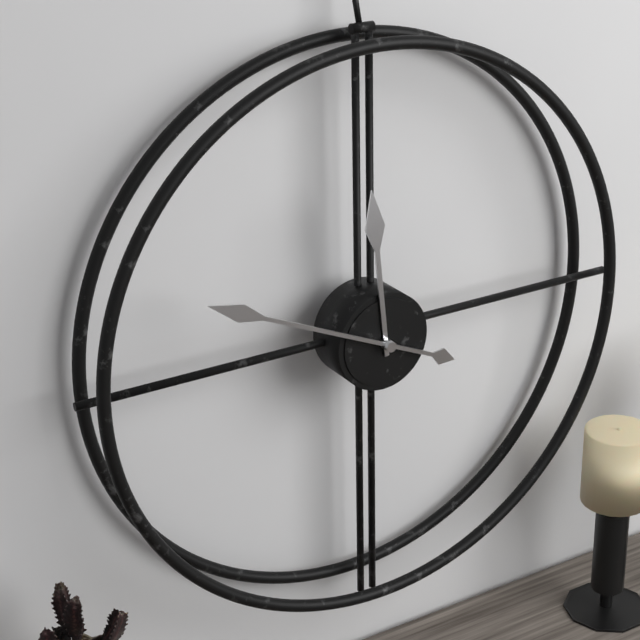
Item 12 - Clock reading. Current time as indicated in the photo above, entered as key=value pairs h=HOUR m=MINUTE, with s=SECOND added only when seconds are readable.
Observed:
h=11 m=49
